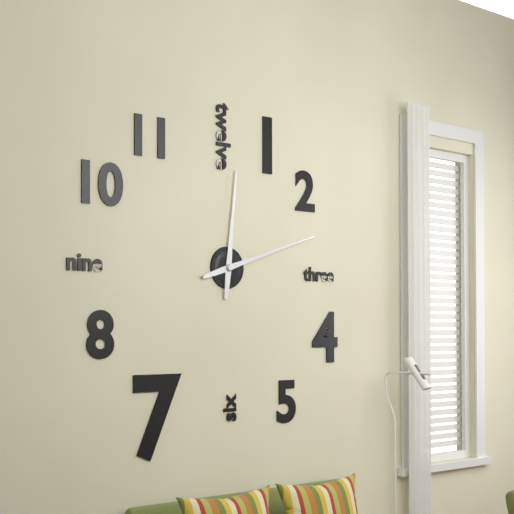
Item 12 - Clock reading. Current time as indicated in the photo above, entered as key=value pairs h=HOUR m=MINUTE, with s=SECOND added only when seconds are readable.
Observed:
h=12 m=12
